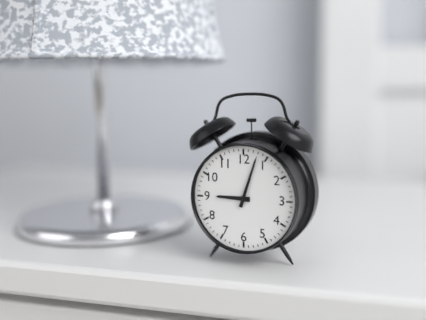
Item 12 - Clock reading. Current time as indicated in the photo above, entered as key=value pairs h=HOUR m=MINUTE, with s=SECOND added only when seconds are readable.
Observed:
h=9 m=3
